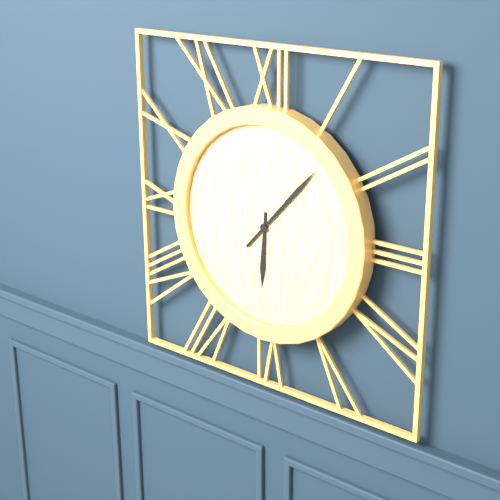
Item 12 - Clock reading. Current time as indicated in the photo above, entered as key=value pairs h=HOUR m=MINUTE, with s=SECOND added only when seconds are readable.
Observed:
h=6 m=7
